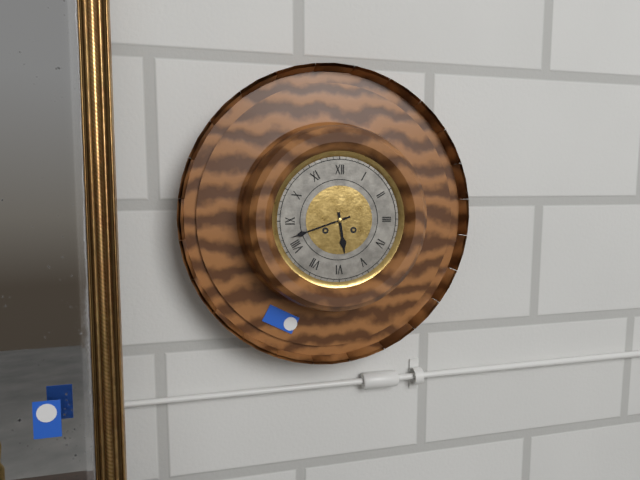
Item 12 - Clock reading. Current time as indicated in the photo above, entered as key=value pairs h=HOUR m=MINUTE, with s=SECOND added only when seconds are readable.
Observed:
h=5 m=42
